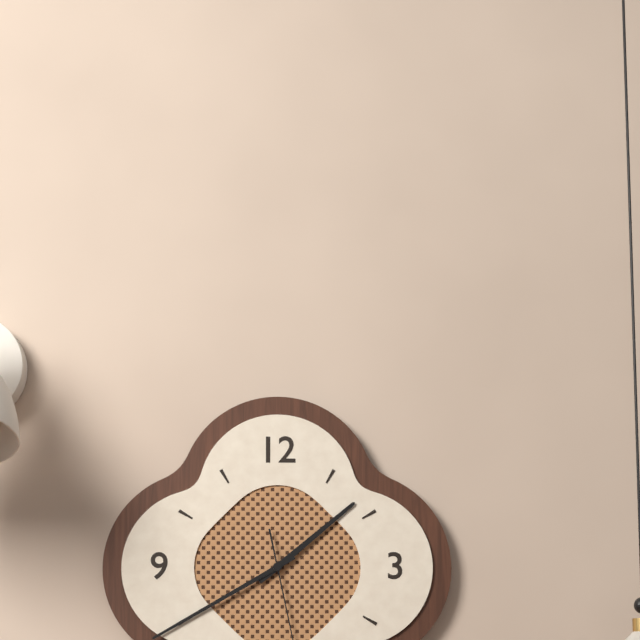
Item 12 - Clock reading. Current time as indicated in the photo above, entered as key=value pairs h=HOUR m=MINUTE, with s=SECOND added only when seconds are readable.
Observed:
h=1 m=40
